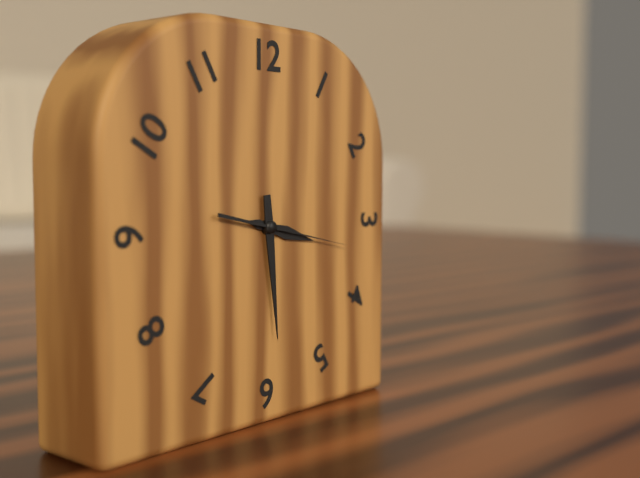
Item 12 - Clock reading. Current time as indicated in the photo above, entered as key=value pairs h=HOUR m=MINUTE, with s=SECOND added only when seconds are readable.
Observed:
h=3 m=29 s=17
